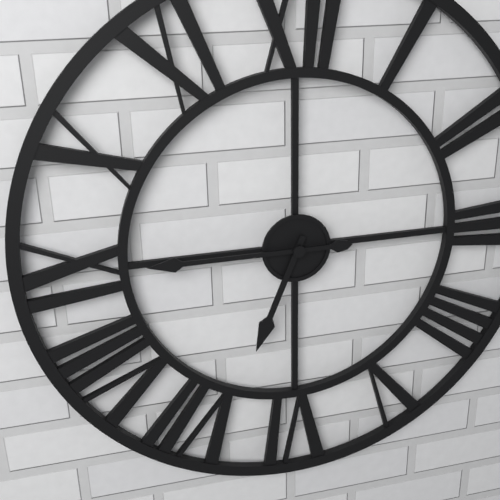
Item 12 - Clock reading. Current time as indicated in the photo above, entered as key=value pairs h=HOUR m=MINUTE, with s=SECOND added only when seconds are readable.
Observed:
h=6 m=45
